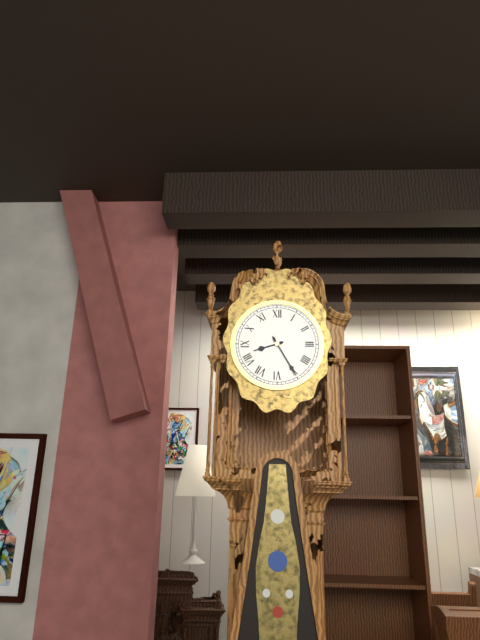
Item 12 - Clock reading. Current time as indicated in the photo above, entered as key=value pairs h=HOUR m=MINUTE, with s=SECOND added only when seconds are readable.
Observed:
h=8 m=25
